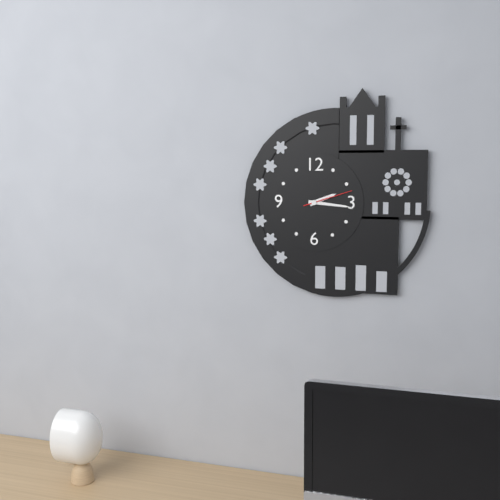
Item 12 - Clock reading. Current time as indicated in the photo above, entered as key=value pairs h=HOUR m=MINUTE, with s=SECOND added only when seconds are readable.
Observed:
h=2 m=16 s=12
